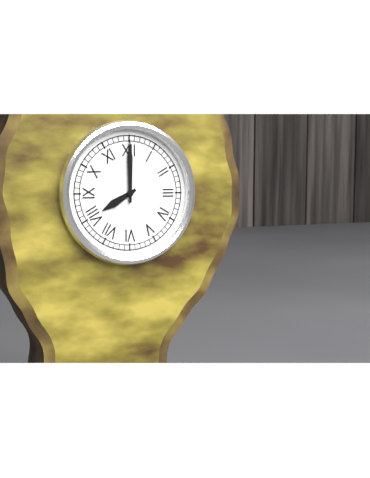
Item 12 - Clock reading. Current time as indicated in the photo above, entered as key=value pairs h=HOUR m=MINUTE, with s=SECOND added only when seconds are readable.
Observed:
h=8 m=0
